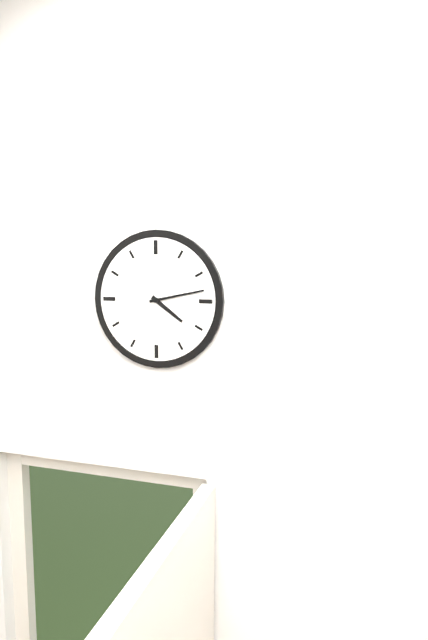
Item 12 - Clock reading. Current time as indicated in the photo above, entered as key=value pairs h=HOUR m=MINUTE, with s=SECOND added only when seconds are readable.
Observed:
h=4 m=13
